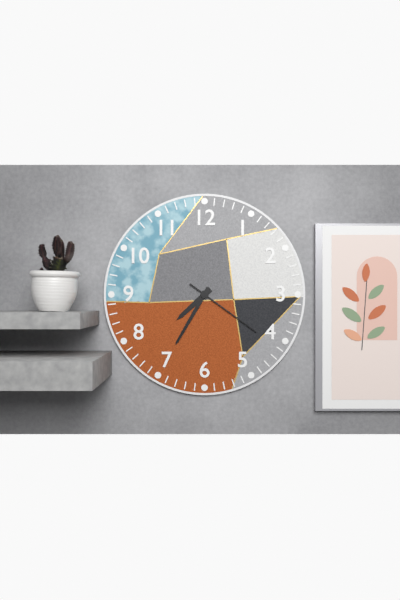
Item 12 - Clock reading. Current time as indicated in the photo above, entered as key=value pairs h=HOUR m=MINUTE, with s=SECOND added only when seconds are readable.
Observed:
h=7 m=35 s=21
